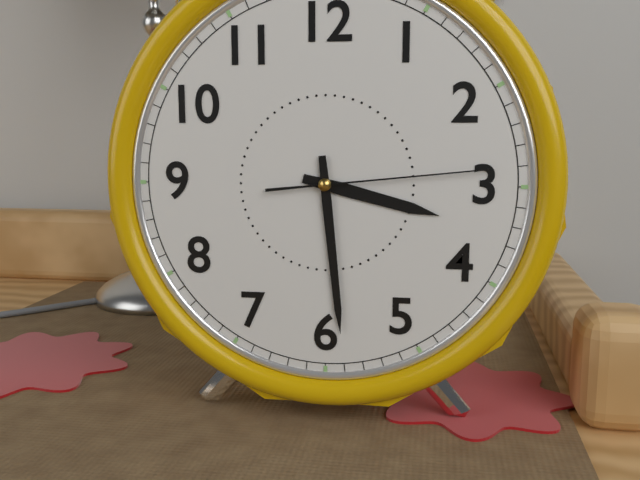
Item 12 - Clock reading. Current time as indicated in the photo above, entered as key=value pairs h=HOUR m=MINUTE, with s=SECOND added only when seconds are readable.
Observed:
h=3 m=29 s=14
